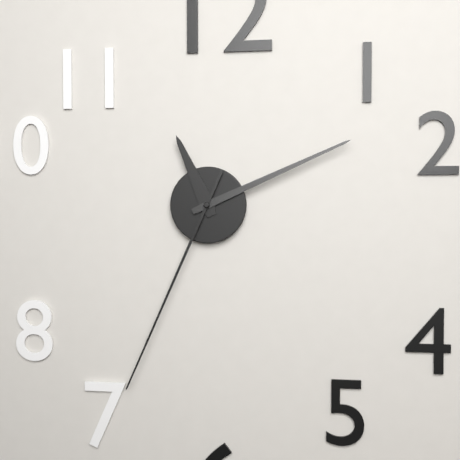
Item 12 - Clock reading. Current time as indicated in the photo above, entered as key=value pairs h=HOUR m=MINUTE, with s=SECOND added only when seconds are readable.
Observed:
h=11 m=11 s=34
